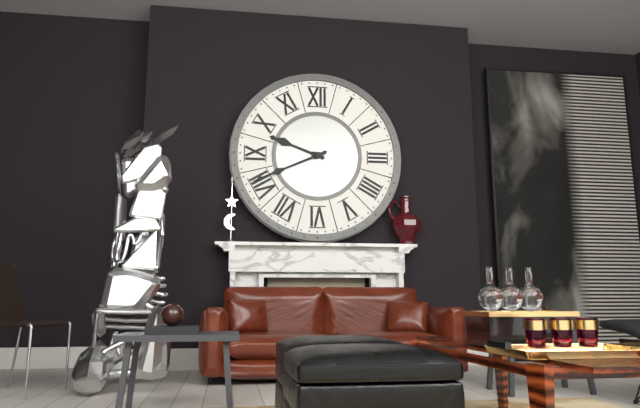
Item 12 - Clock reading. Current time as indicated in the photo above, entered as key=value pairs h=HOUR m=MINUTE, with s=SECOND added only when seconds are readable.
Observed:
h=9 m=41
